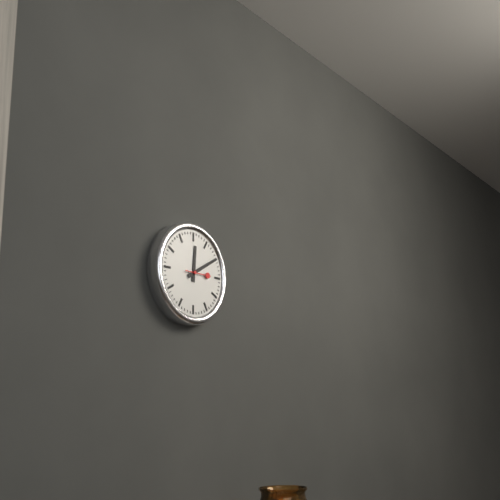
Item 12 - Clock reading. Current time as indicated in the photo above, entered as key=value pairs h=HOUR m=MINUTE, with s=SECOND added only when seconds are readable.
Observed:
h=12 m=10
